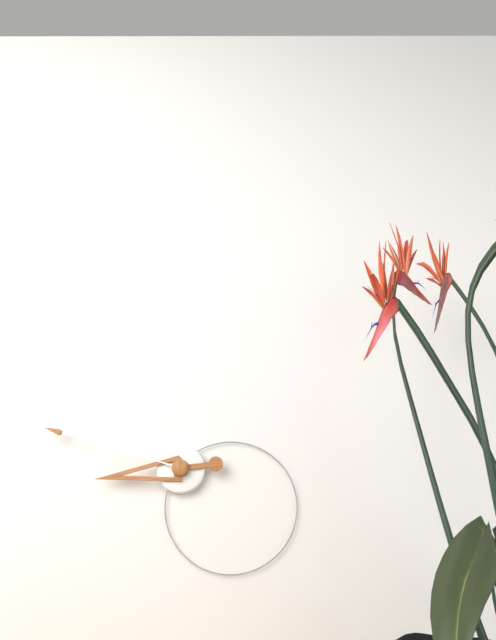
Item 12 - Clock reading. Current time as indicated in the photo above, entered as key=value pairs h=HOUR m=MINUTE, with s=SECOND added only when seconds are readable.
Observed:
h=8 m=48
